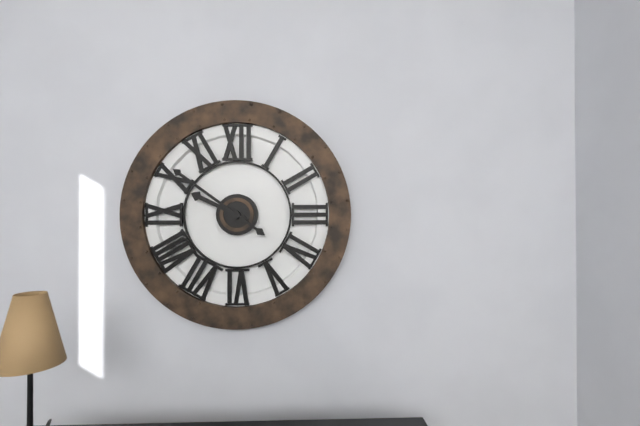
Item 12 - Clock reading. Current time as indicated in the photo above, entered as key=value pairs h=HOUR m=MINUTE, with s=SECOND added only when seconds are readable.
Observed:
h=9 m=51
